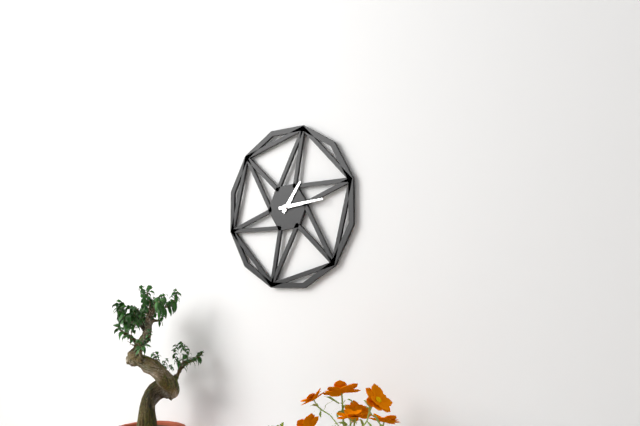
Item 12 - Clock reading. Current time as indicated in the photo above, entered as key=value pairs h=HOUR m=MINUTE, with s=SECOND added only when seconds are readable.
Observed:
h=1 m=14
